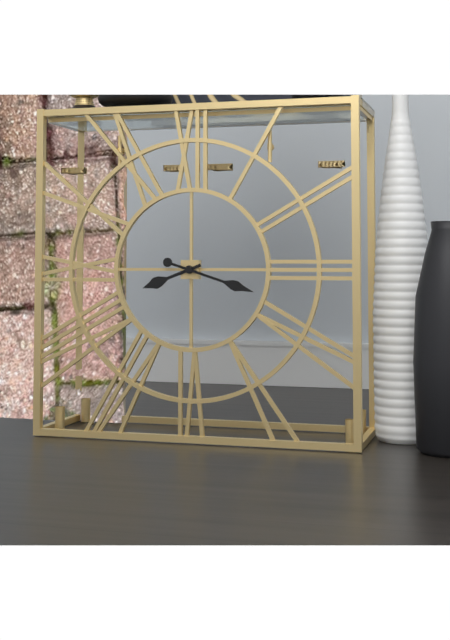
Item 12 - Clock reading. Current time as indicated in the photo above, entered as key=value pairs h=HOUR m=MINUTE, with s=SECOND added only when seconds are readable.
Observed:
h=8 m=18
